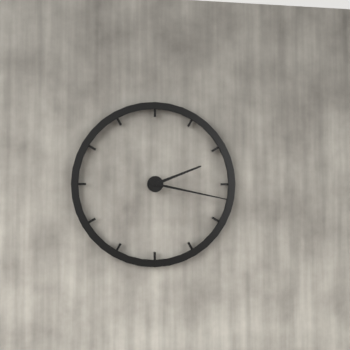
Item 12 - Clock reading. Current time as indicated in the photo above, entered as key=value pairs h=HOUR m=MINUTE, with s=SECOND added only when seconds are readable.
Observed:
h=2 m=17
